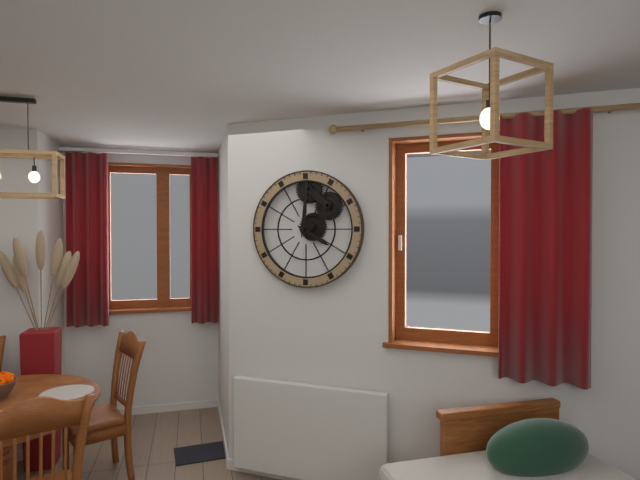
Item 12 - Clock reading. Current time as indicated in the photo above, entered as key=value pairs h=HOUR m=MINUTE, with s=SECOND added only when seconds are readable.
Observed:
h=4 m=1
